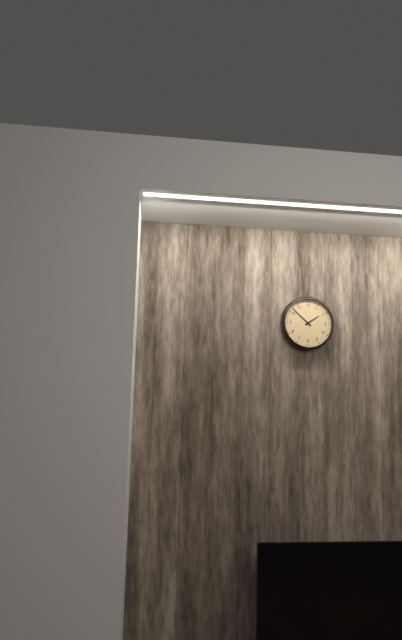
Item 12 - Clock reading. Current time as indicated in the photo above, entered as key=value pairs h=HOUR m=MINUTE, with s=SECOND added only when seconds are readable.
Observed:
h=1 m=52
